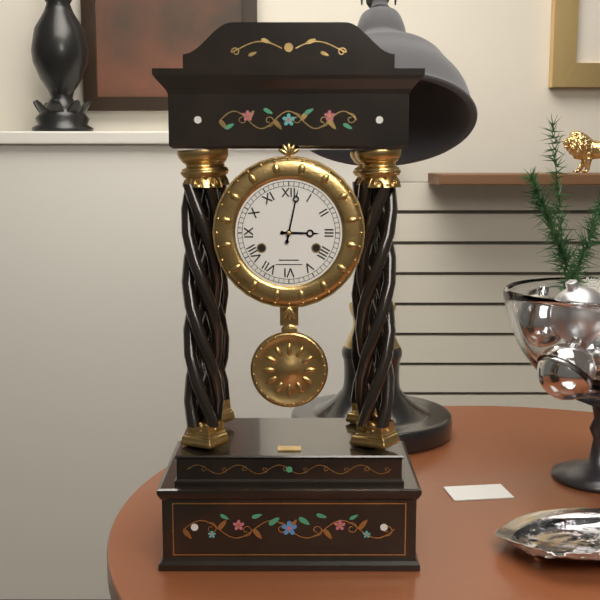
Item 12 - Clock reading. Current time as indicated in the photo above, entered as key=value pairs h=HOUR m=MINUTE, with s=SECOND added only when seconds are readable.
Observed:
h=3 m=2
